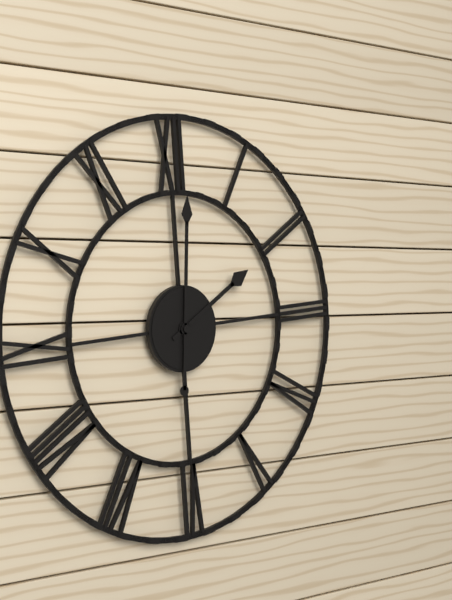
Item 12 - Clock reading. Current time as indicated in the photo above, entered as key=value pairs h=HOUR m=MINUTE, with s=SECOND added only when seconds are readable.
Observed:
h=2 m=1
